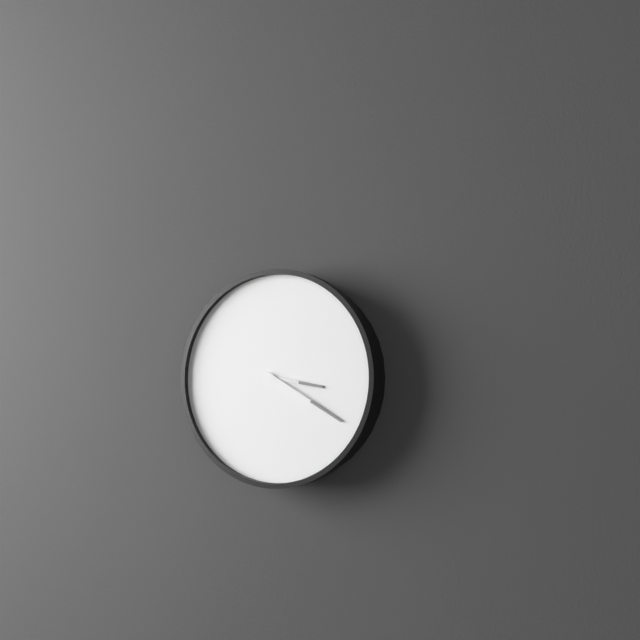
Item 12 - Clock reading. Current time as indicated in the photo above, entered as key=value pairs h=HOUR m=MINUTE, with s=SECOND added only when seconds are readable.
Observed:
h=3 m=20
